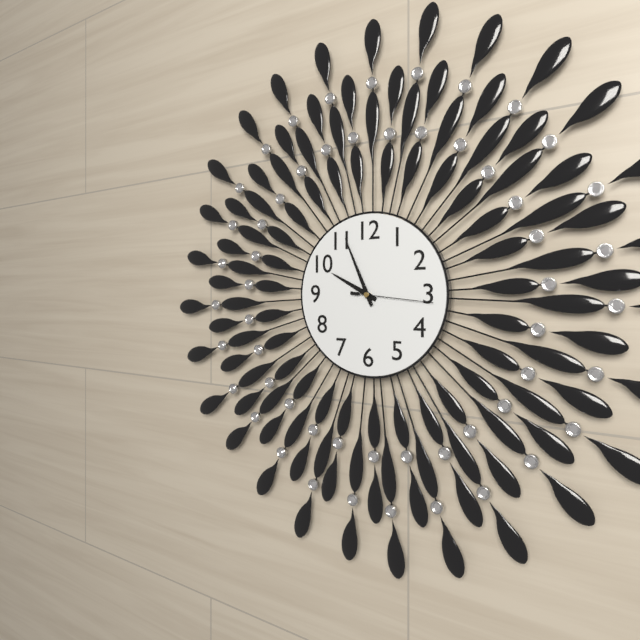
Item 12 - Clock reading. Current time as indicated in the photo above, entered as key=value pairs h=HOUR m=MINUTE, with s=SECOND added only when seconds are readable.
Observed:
h=9 m=56 s=16
